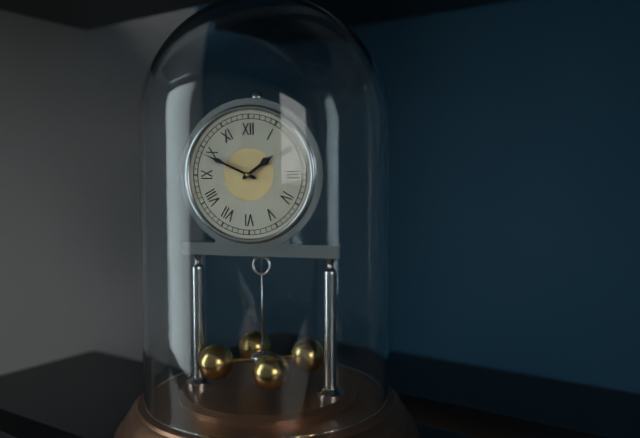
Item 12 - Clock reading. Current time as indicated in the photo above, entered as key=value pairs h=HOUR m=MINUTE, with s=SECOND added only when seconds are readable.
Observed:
h=1 m=49
